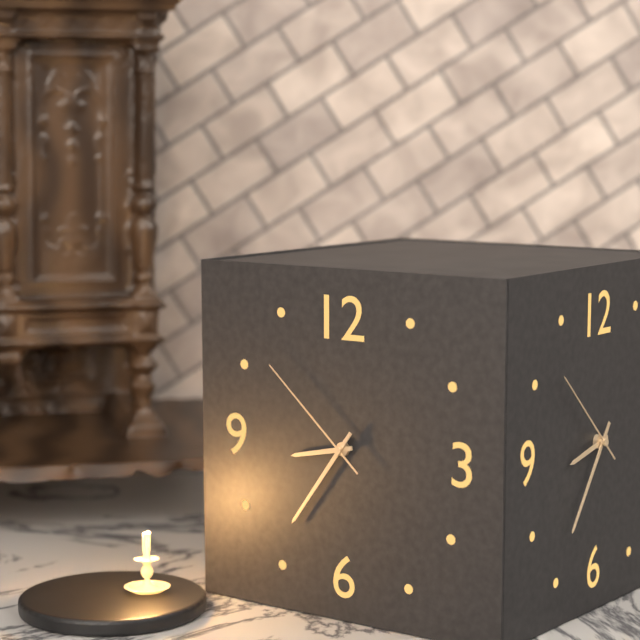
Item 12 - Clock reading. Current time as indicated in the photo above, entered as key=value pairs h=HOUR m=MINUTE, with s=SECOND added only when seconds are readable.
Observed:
h=8 m=36 s=52
